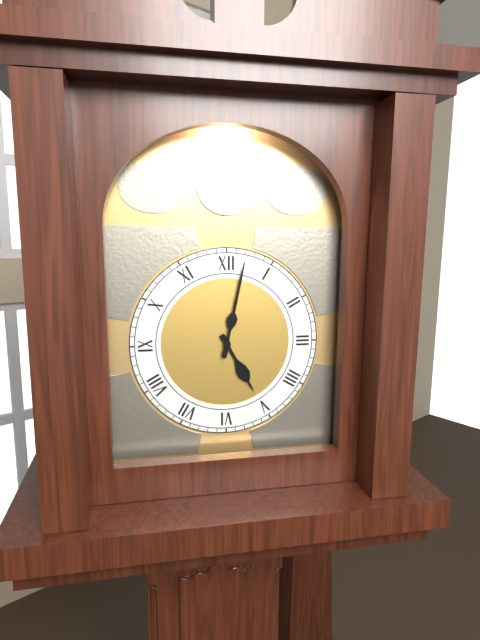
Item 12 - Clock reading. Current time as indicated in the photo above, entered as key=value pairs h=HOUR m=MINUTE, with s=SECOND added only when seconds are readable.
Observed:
h=5 m=2
